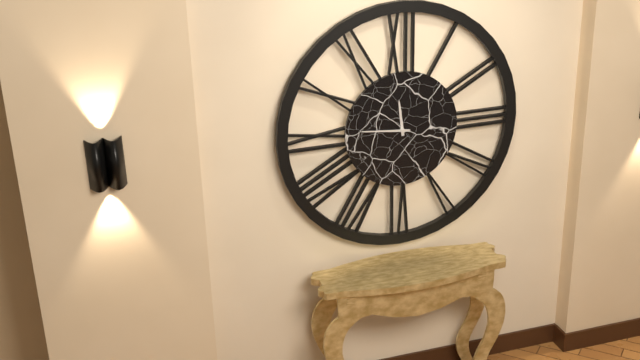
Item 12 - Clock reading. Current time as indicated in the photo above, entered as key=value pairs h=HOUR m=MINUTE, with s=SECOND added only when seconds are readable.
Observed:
h=11 m=46
